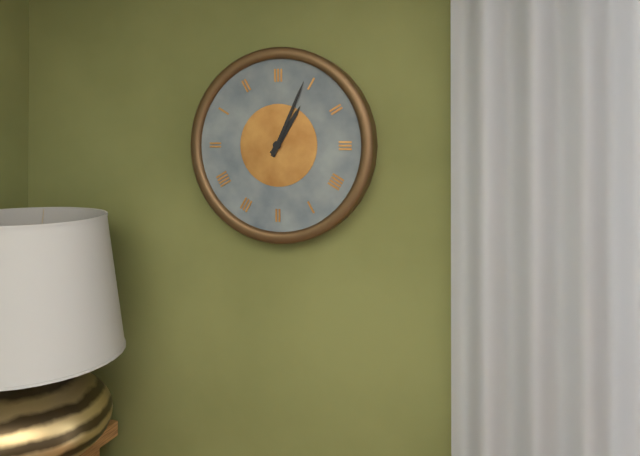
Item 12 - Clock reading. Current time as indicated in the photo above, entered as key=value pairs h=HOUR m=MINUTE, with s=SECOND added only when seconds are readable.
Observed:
h=1 m=4
